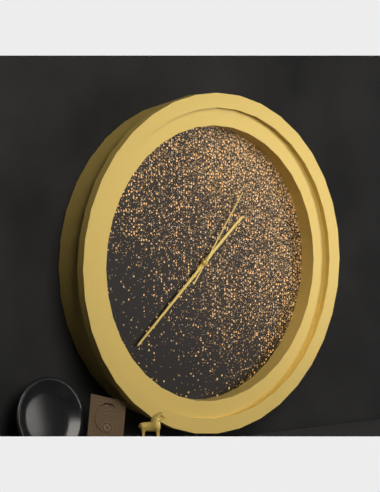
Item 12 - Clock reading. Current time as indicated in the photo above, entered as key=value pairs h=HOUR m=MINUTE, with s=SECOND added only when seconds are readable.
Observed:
h=1 m=38 s=6
